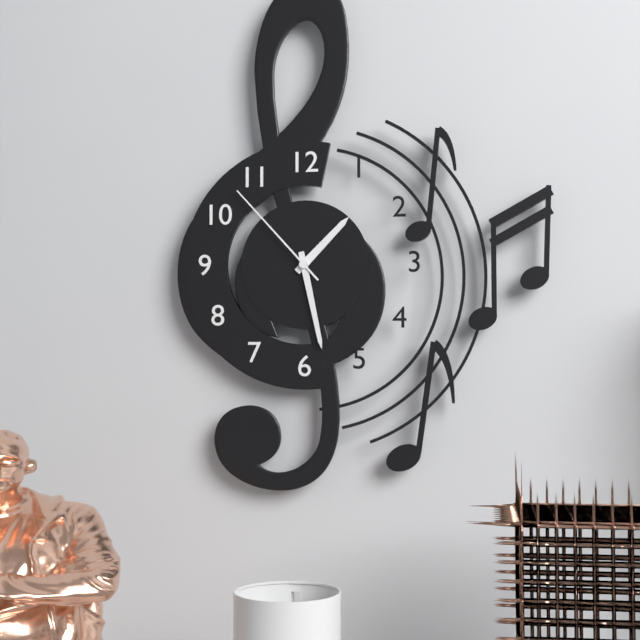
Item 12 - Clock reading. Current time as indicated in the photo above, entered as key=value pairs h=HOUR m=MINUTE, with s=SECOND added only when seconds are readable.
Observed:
h=1 m=28 s=53
